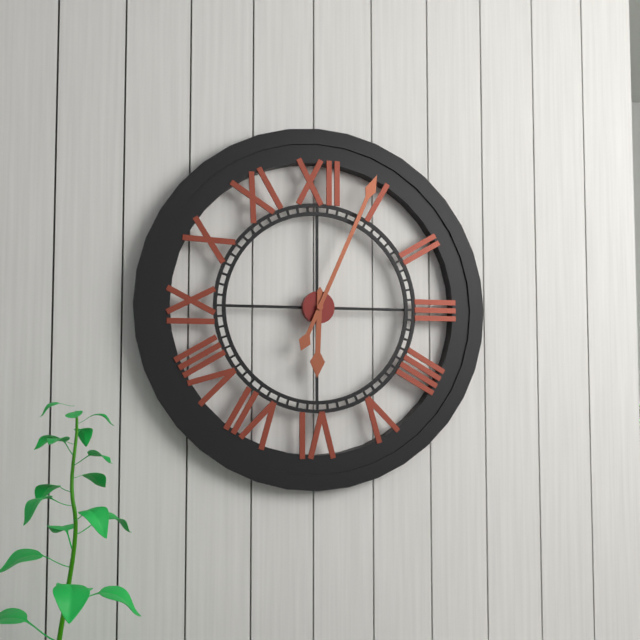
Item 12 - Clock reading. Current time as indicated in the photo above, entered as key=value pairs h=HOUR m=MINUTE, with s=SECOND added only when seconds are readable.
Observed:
h=6 m=4
